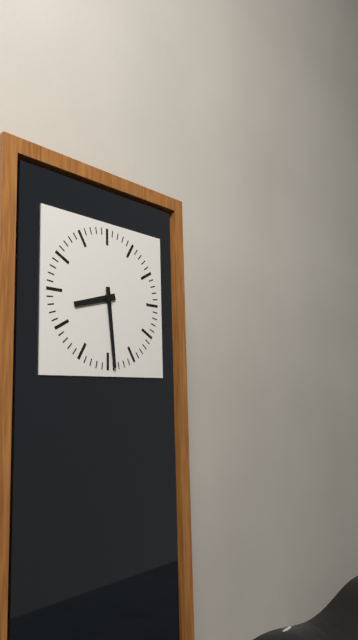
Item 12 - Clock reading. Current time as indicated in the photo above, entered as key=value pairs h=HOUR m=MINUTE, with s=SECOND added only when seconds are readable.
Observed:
h=8 m=29
